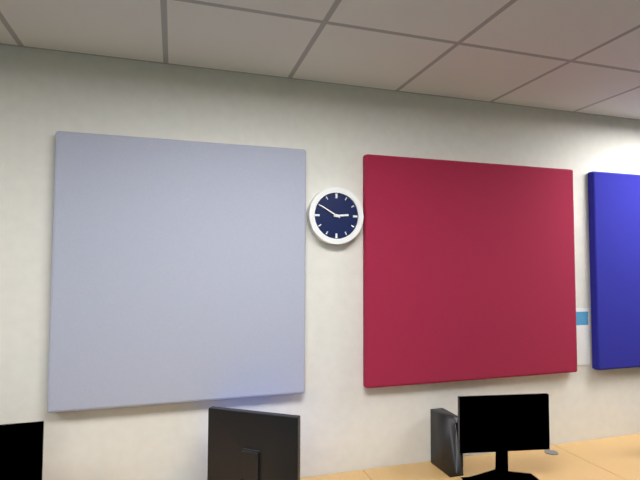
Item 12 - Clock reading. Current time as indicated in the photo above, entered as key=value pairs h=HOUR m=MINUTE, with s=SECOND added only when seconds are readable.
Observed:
h=2 m=50
